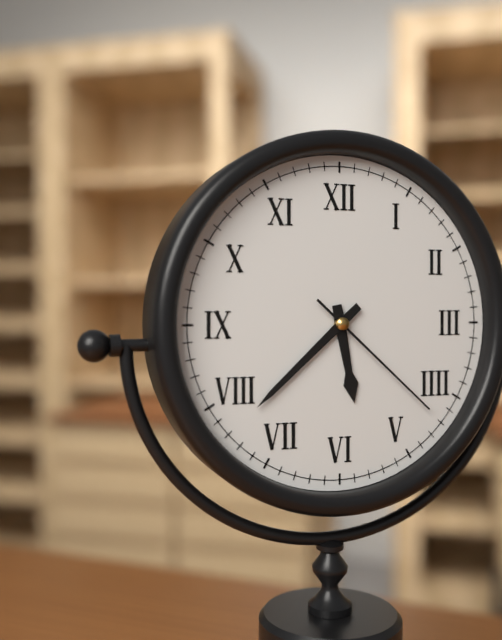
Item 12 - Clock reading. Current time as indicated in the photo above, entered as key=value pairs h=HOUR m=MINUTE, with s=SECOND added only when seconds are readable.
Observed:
h=5 m=38 s=22
